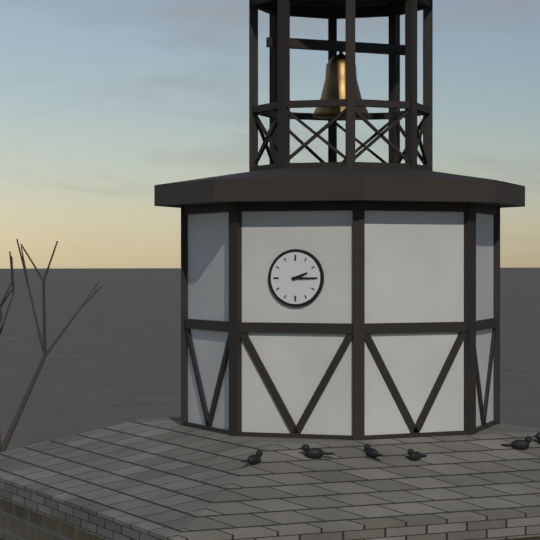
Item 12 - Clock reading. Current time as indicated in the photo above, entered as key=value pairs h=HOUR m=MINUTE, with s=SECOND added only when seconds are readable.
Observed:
h=2 m=15
